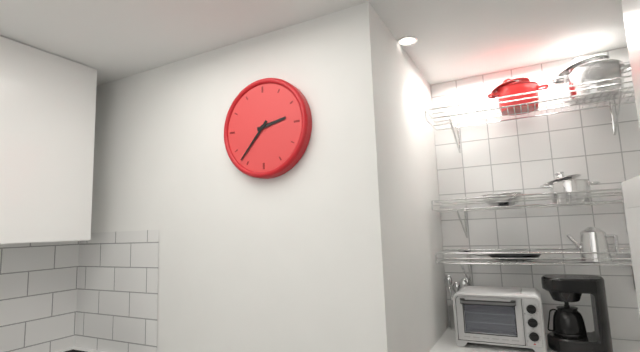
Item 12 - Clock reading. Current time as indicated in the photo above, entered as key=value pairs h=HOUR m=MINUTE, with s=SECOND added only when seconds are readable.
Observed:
h=2 m=37
